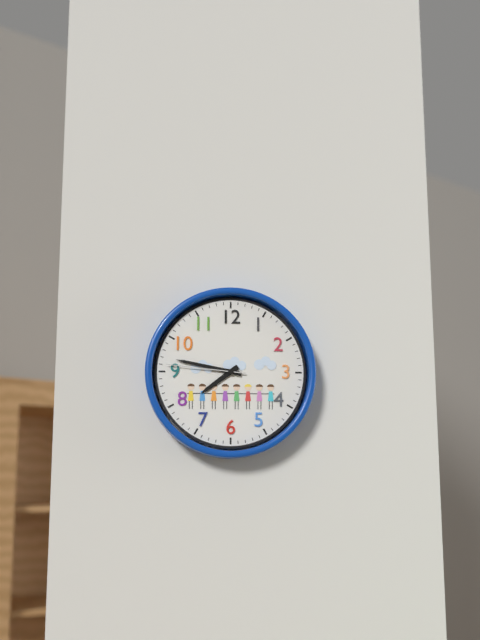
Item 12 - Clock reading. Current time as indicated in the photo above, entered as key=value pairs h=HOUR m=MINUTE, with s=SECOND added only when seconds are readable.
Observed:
h=7 m=47 s=46
